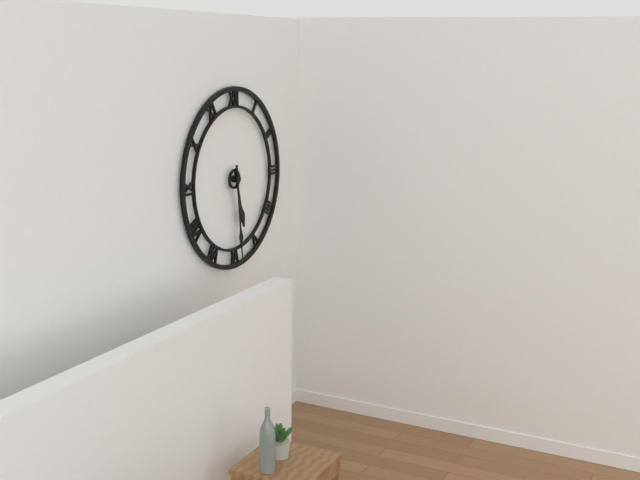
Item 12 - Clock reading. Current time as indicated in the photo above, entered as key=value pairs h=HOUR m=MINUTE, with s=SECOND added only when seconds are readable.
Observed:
h=5 m=29
